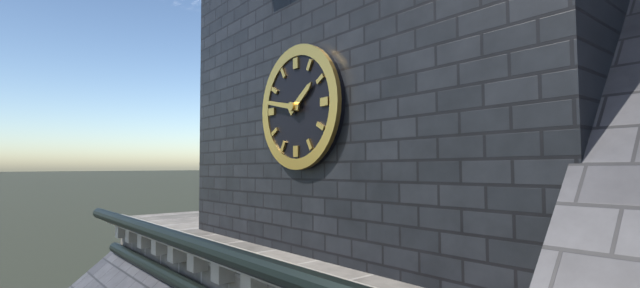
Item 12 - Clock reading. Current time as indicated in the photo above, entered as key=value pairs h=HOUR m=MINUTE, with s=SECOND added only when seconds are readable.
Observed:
h=1 m=47
